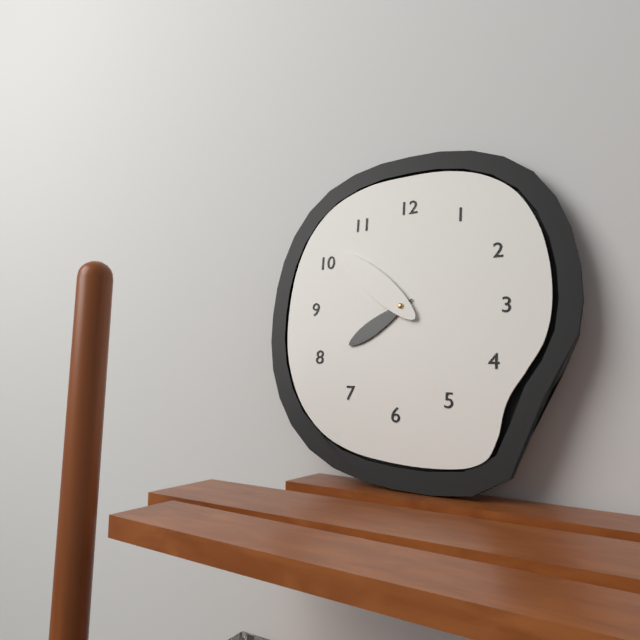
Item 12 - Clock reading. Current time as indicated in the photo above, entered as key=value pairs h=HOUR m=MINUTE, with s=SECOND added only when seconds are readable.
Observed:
h=7 m=52
